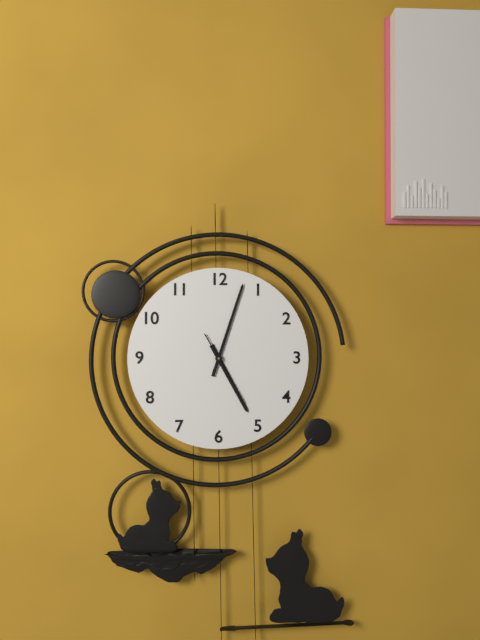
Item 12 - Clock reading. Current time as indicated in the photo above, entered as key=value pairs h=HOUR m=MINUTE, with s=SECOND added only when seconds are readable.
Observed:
h=5 m=3 s=25
